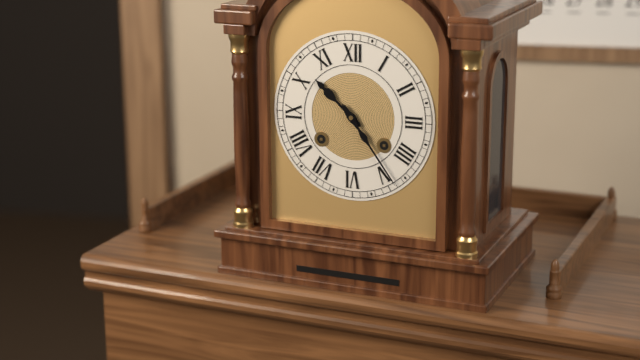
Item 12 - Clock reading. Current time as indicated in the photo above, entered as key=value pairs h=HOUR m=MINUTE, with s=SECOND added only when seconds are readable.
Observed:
h=10 m=24
